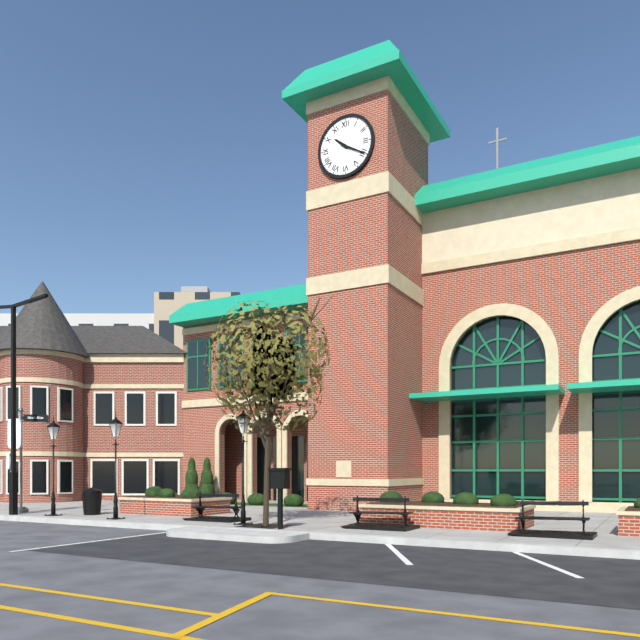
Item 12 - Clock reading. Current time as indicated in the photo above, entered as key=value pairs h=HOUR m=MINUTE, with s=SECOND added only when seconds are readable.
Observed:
h=10 m=20
